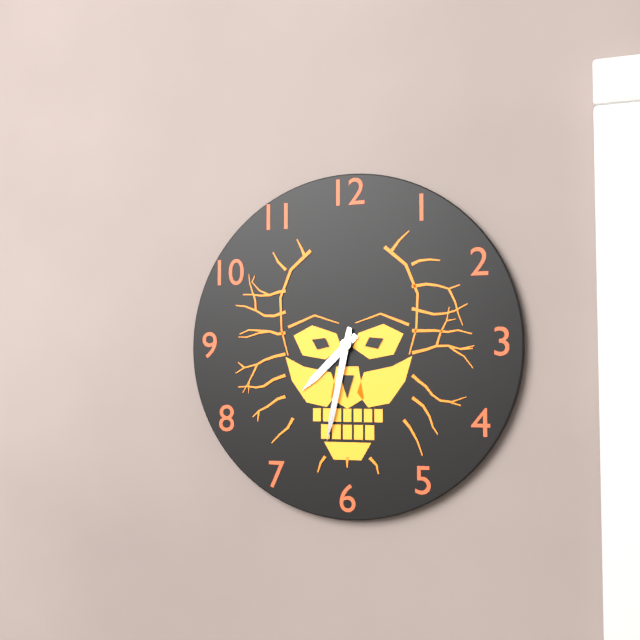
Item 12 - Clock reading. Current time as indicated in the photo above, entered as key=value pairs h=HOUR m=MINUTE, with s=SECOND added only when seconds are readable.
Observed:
h=7 m=32
